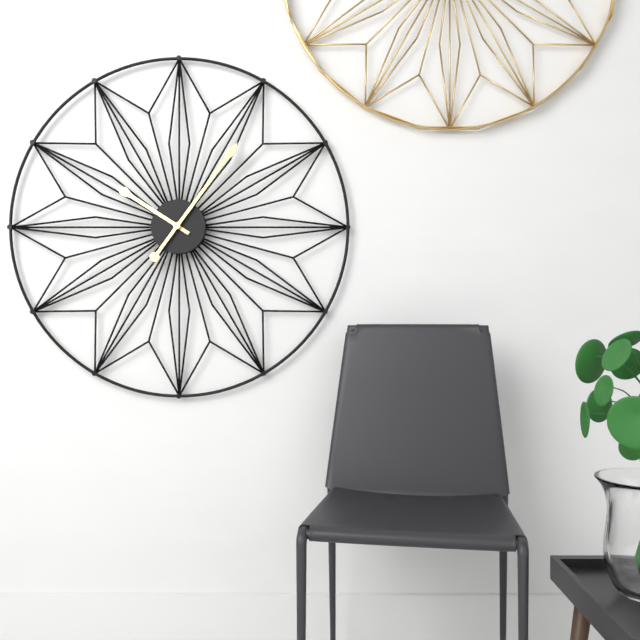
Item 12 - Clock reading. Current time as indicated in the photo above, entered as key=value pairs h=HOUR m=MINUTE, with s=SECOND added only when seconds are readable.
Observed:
h=10 m=6
